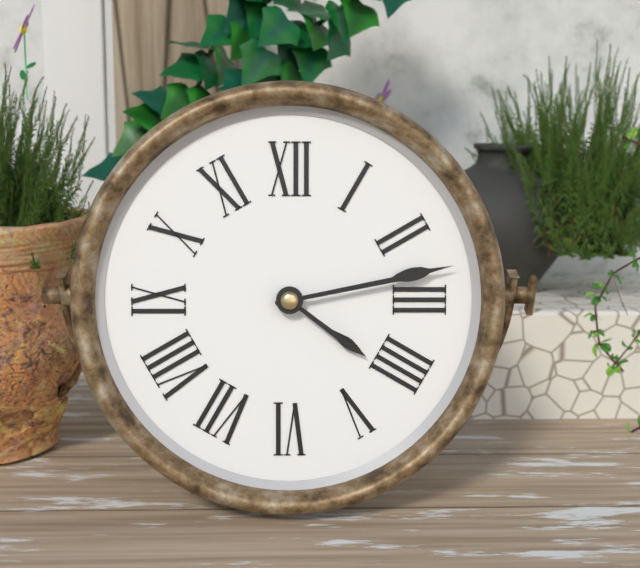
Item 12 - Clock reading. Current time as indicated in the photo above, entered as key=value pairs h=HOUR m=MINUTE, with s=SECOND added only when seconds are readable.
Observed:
h=4 m=13
